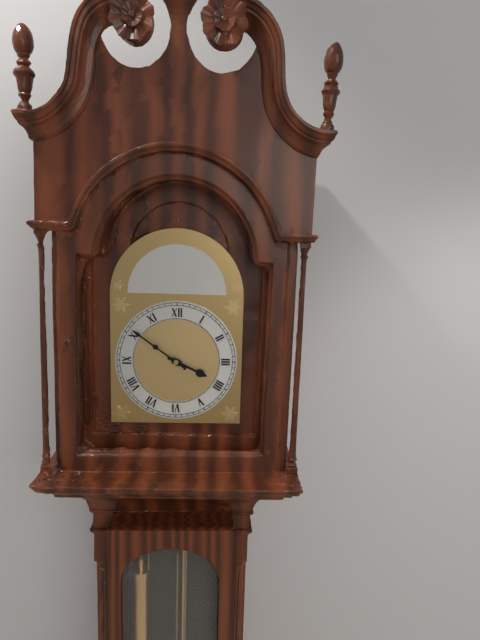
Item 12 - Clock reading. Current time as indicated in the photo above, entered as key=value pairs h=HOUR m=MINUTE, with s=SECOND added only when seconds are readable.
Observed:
h=3 m=51
